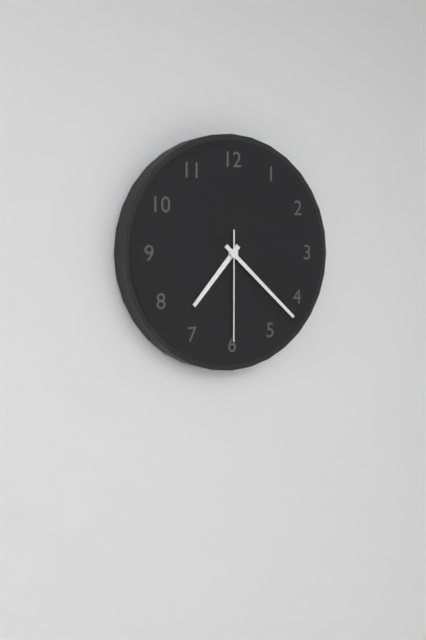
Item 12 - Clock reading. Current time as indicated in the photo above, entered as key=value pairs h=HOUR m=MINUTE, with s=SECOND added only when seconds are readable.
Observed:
h=7 m=22 s=30
